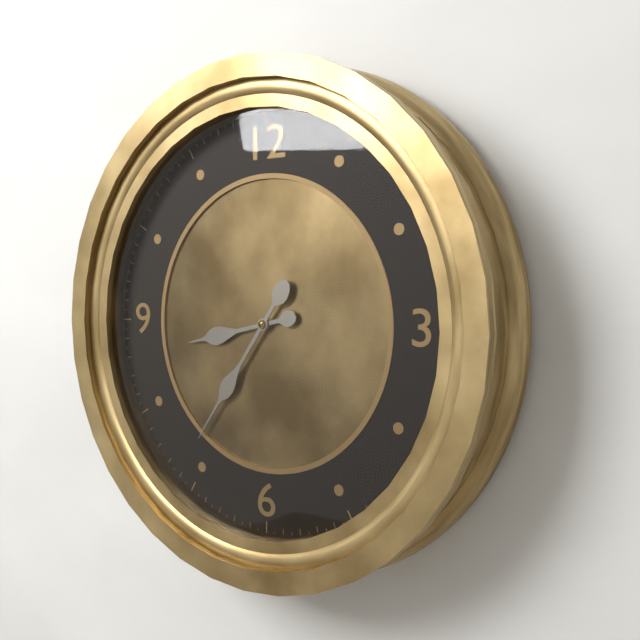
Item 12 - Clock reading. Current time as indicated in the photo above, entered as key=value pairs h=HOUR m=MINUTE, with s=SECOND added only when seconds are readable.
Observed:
h=8 m=36
